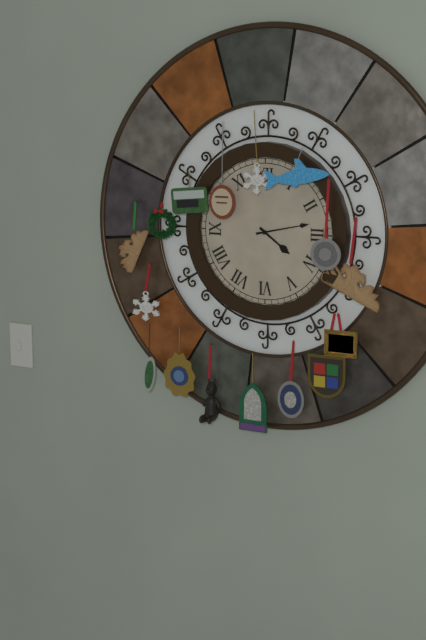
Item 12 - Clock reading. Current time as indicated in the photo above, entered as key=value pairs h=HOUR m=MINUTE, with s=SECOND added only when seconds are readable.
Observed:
h=4 m=13
